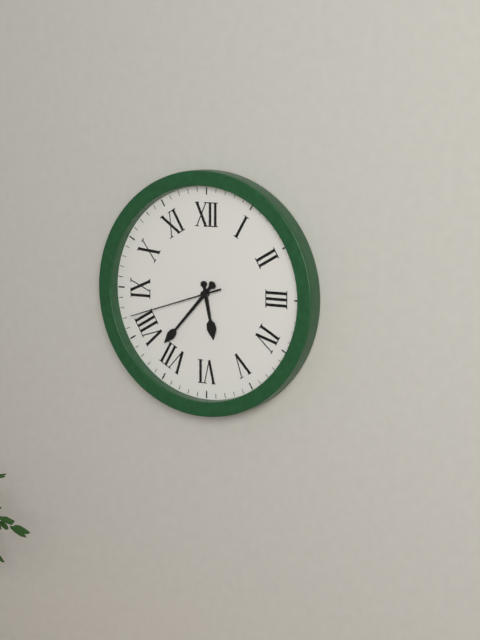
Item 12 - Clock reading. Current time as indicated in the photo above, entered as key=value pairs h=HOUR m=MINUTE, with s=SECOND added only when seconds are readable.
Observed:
h=5 m=37 s=42
